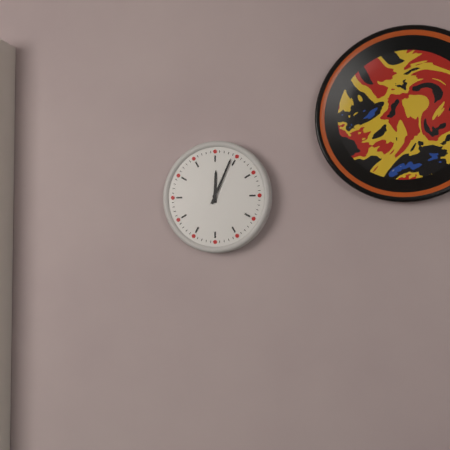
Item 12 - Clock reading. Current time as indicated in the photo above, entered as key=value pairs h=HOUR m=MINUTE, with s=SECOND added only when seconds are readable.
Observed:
h=12 m=4
